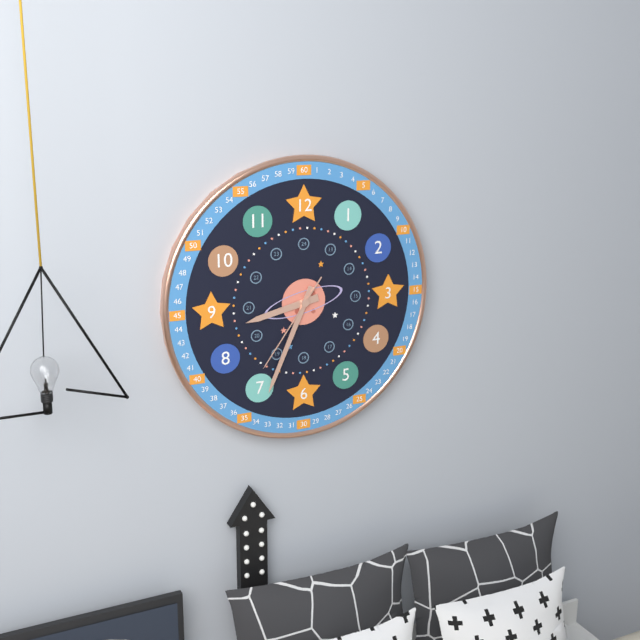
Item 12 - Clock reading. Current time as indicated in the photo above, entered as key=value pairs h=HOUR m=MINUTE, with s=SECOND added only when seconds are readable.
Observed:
h=8 m=34 s=36
